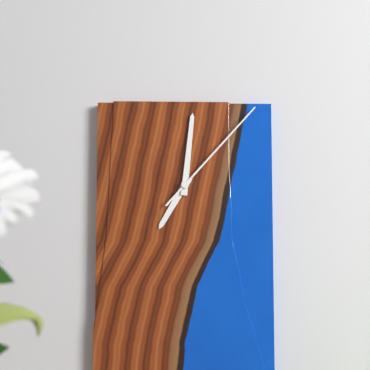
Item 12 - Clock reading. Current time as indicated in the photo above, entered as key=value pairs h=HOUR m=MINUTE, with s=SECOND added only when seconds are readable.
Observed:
h=7 m=1 s=7
